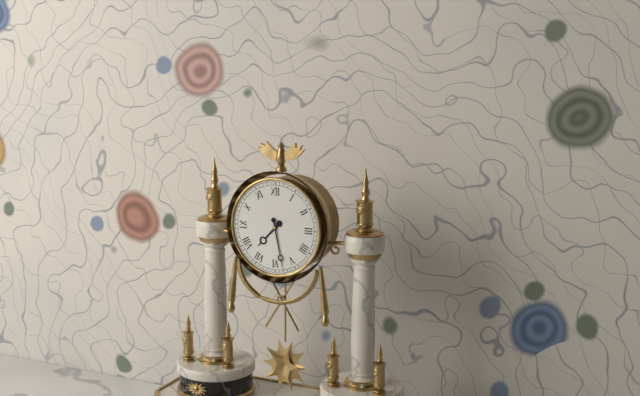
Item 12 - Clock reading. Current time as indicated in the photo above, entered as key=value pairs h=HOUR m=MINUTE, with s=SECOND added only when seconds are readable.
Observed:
h=7 m=28
